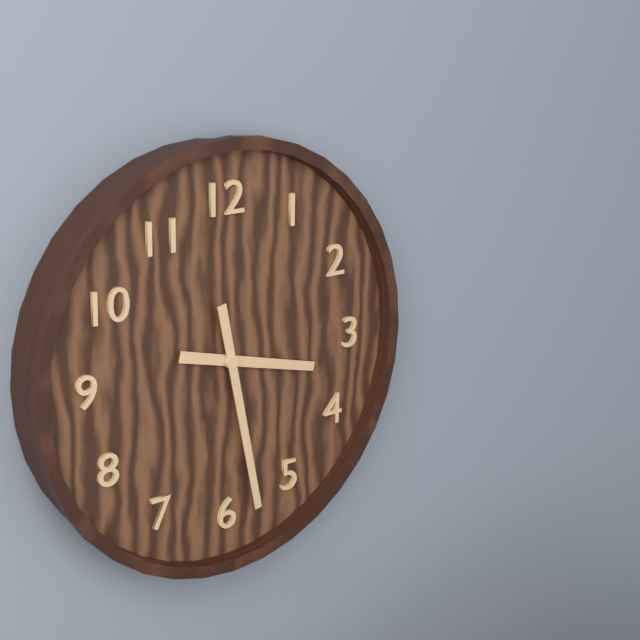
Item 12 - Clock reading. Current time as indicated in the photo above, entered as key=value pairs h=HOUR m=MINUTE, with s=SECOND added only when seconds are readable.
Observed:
h=3 m=28
